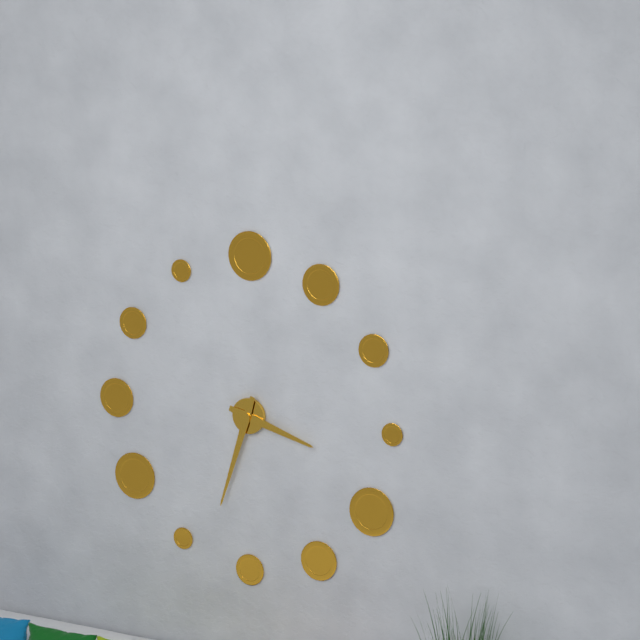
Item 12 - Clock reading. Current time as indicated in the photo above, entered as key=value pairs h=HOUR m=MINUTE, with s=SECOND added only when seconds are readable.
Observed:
h=3 m=33
